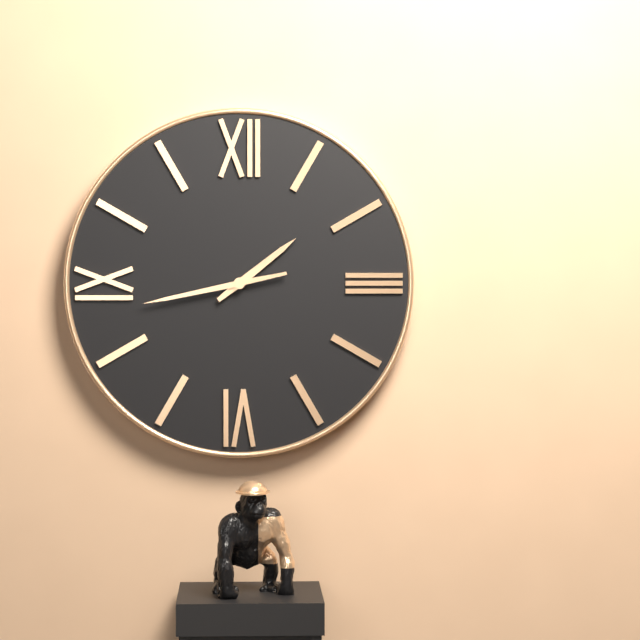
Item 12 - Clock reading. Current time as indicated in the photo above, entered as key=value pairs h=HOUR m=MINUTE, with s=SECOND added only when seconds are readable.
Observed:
h=1 m=43
